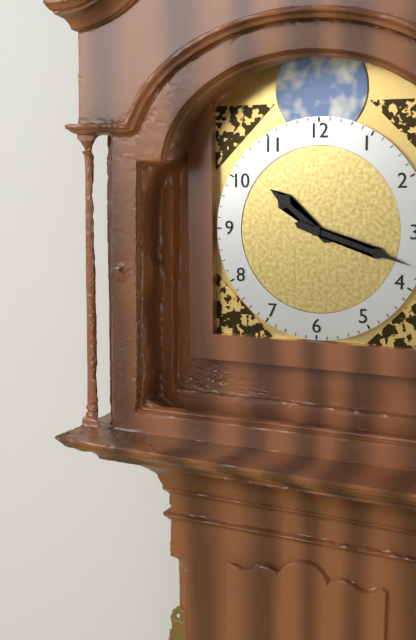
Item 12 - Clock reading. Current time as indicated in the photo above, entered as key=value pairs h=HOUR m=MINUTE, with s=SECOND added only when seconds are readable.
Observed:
h=10 m=18
